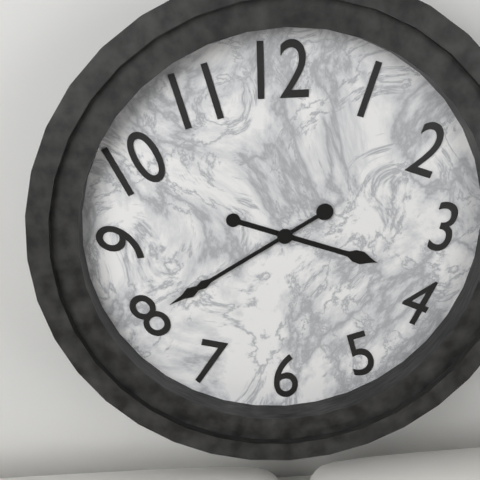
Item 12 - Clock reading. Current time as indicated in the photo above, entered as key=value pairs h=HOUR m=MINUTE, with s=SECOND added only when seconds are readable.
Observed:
h=3 m=40
